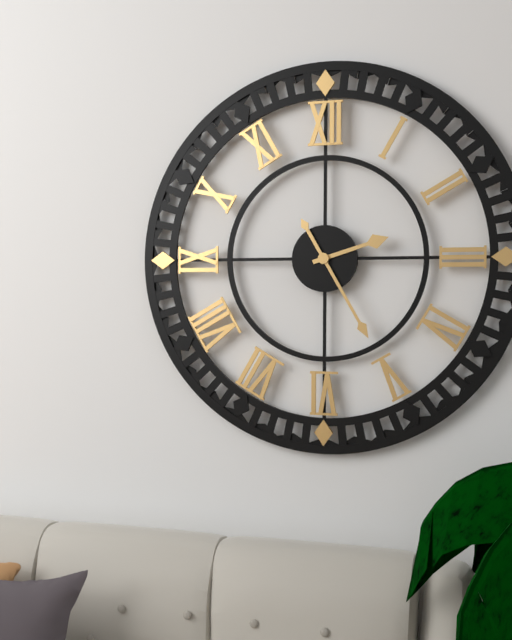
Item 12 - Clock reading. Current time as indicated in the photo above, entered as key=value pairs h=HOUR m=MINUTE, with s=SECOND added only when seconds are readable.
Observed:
h=2 m=25
